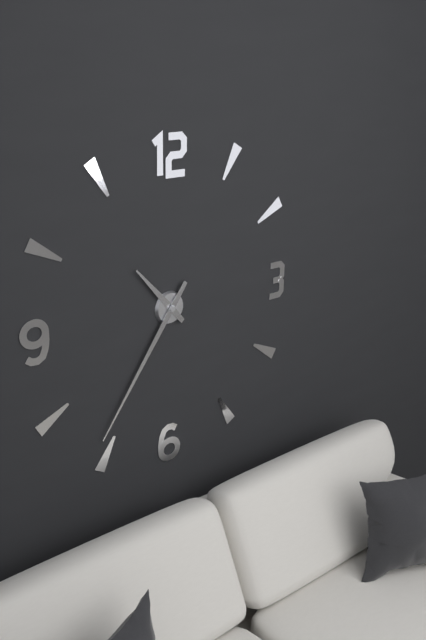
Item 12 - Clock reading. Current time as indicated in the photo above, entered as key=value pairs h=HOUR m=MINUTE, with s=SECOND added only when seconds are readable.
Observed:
h=10 m=36
